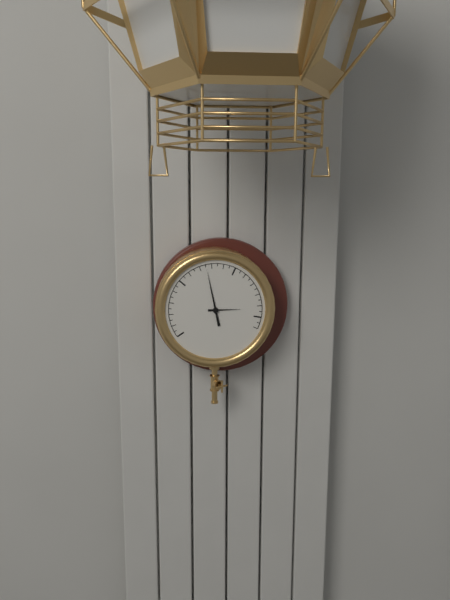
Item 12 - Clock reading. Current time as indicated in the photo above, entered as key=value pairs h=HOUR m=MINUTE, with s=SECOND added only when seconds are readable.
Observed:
h=2 m=58
